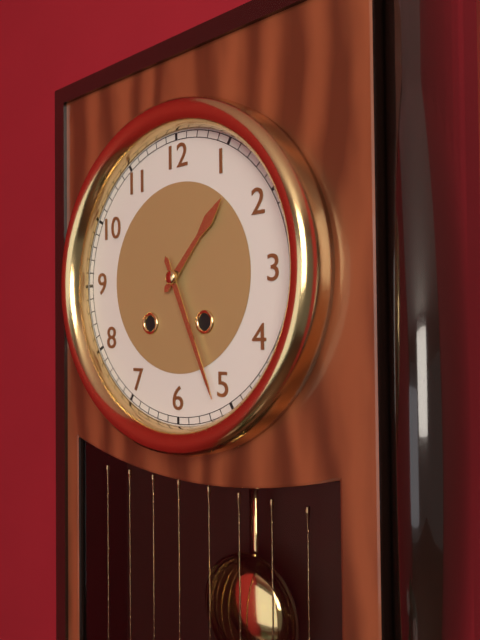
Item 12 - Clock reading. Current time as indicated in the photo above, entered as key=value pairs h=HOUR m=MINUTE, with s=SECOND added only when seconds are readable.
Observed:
h=1 m=26
